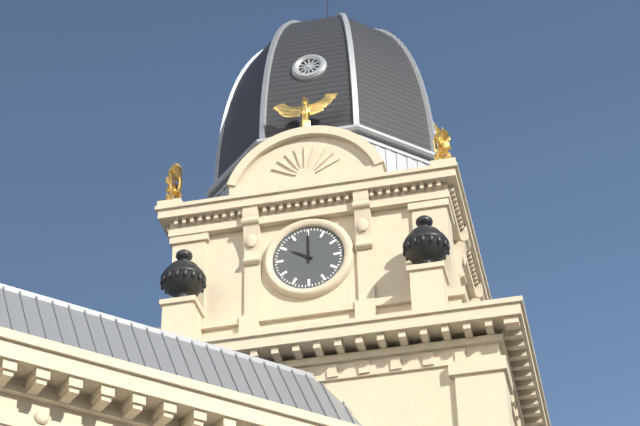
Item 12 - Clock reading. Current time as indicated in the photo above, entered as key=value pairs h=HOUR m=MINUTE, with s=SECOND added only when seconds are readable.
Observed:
h=10 m=0
